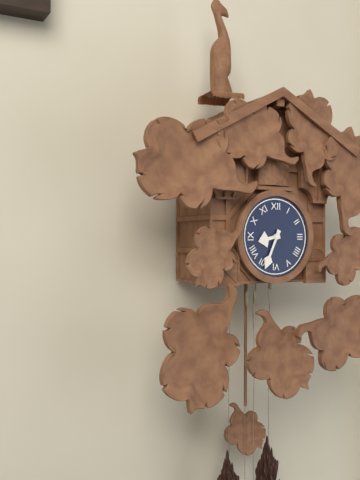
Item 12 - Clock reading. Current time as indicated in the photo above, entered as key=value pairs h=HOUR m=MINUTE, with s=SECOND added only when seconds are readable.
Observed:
h=8 m=34
